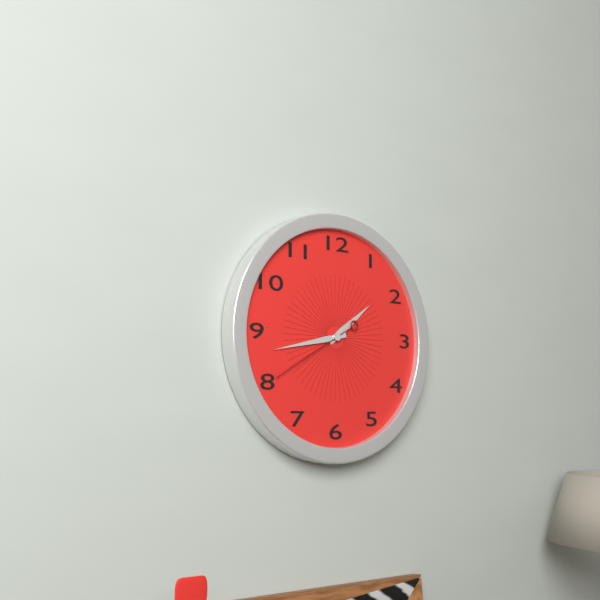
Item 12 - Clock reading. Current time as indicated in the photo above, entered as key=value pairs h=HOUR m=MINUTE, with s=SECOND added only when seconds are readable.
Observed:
h=1 m=43 s=40
